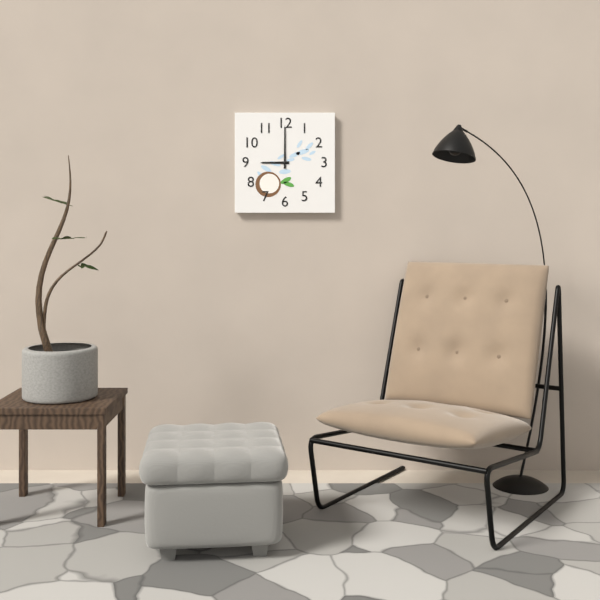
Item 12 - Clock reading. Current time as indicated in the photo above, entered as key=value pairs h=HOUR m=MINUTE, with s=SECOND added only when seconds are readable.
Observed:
h=9 m=0
